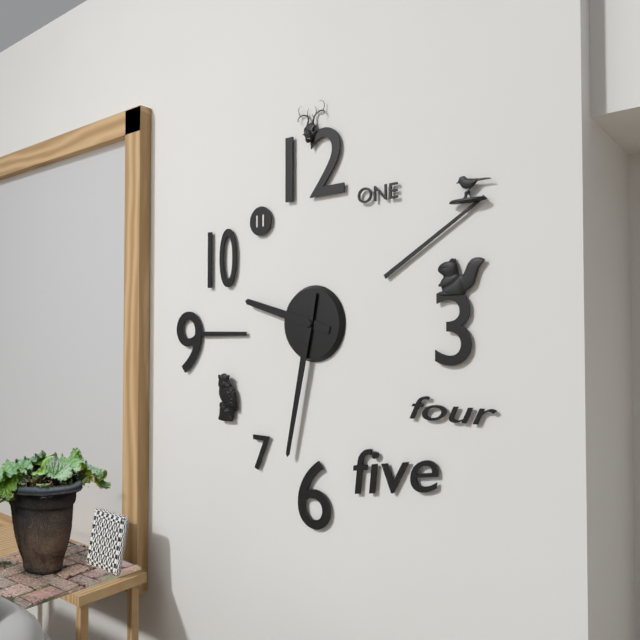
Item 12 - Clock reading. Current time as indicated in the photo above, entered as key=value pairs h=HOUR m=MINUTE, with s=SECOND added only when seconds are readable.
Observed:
h=9 m=32
